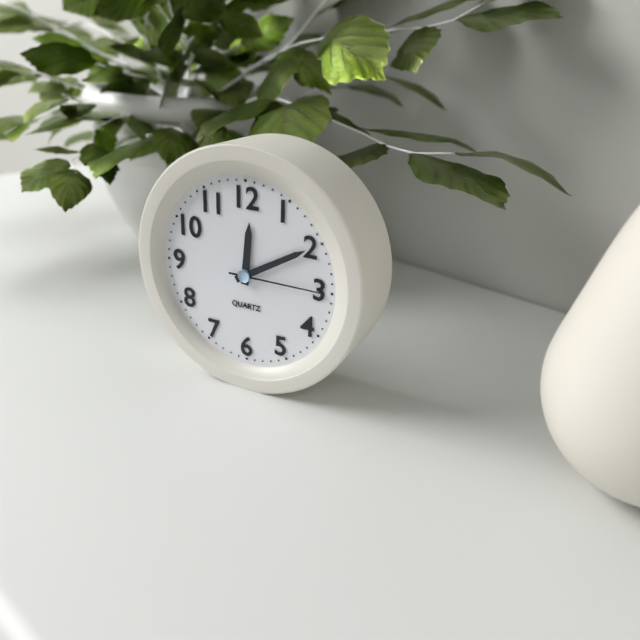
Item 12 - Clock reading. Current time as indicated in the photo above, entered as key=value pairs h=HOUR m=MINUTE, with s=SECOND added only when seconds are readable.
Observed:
h=12 m=10 s=15
